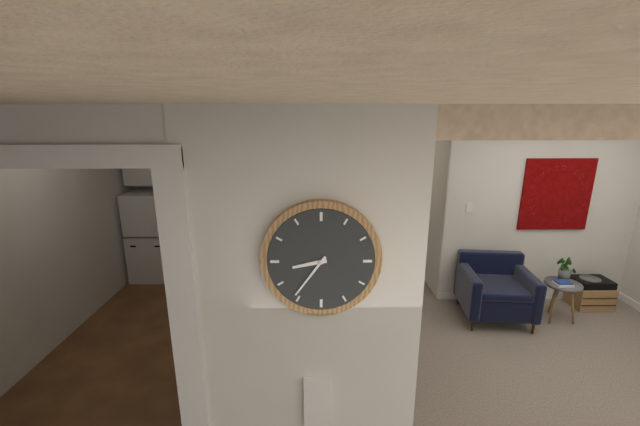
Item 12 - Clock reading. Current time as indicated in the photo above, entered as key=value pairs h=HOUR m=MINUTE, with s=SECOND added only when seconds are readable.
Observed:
h=8 m=36
